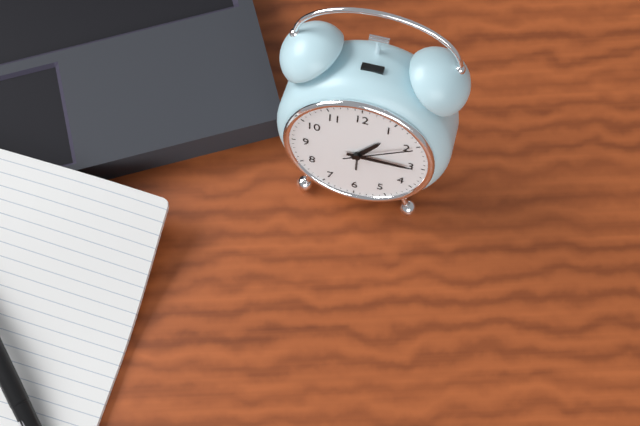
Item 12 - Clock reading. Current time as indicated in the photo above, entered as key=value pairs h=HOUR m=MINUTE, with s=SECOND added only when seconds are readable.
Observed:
h=1 m=15 s=10
